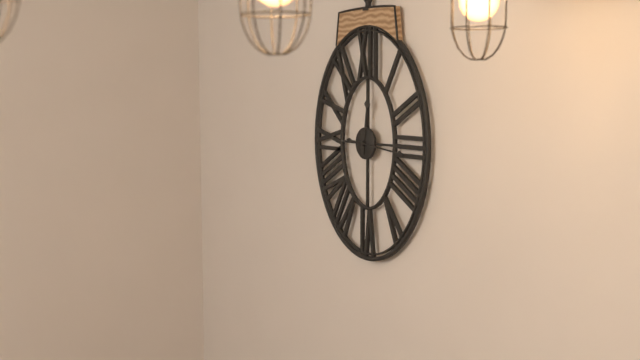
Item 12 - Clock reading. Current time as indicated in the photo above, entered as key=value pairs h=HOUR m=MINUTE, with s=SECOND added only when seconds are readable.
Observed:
h=12 m=16
